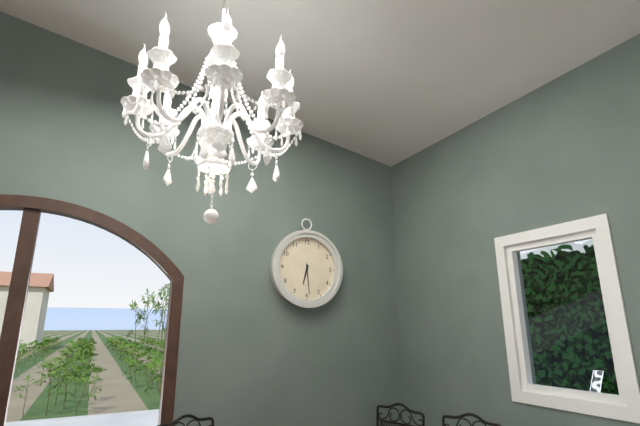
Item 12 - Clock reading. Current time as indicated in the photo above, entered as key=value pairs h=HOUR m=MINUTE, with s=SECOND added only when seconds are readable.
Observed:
h=6 m=29
